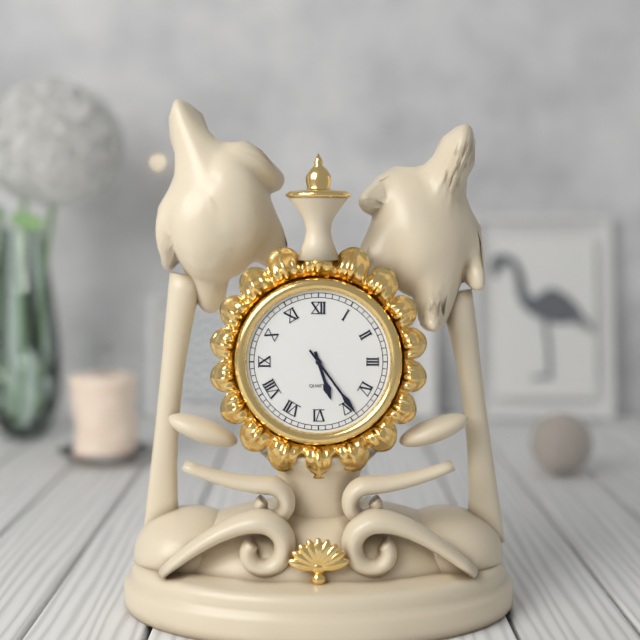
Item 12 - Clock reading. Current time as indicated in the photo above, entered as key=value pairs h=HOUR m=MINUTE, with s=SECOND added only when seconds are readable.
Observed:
h=5 m=24
